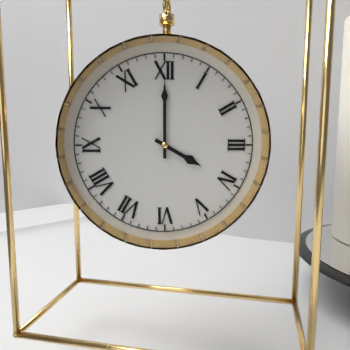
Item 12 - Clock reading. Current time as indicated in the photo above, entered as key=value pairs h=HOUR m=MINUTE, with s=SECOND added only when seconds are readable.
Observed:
h=4 m=0
